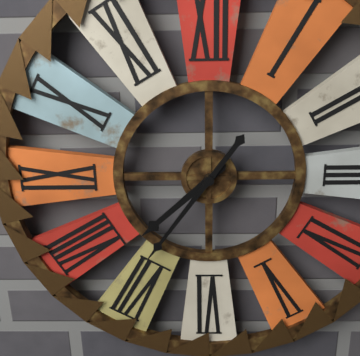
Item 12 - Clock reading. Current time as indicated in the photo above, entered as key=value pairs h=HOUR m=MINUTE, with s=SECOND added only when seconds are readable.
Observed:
h=7 m=36
